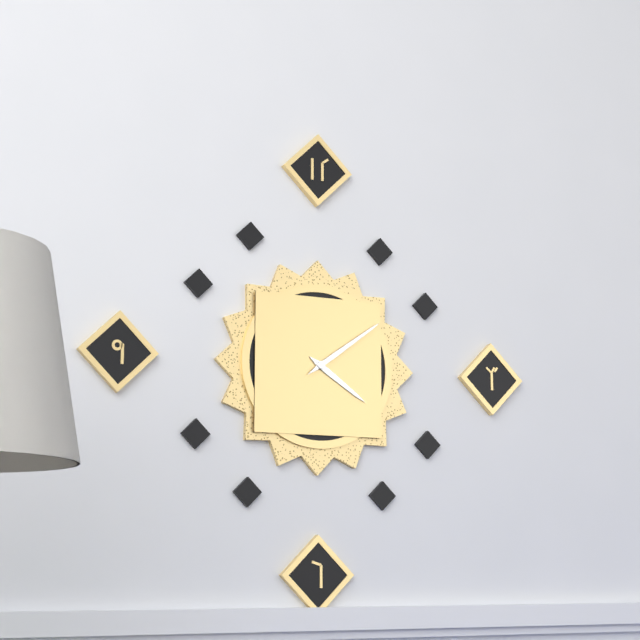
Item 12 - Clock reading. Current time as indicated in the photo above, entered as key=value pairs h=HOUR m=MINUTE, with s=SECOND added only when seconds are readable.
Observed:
h=4 m=9
